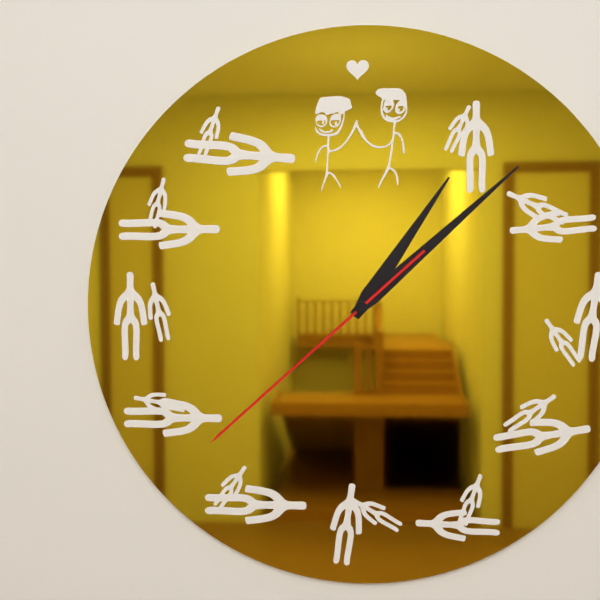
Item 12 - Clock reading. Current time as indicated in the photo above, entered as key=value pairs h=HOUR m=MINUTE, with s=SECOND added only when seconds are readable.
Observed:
h=1 m=8 s=38
